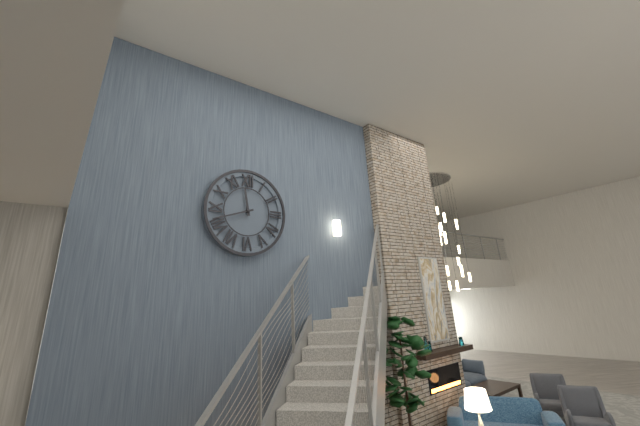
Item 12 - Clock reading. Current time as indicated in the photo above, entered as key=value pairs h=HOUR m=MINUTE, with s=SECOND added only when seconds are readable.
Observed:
h=11 m=42
